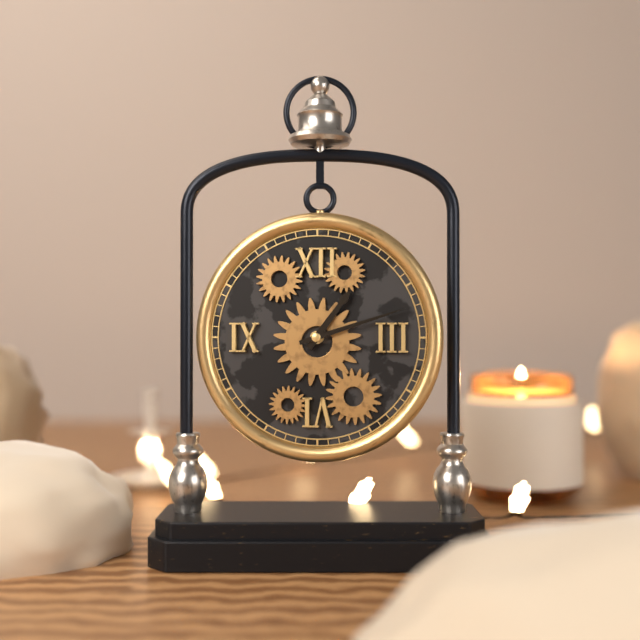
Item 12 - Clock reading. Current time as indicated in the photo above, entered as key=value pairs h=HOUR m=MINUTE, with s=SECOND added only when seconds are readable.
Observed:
h=1 m=12
